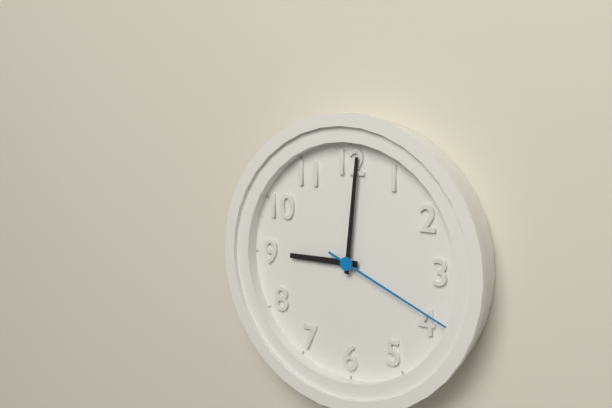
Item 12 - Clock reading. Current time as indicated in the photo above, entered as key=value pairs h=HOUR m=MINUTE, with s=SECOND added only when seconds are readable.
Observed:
h=9 m=1 s=19
